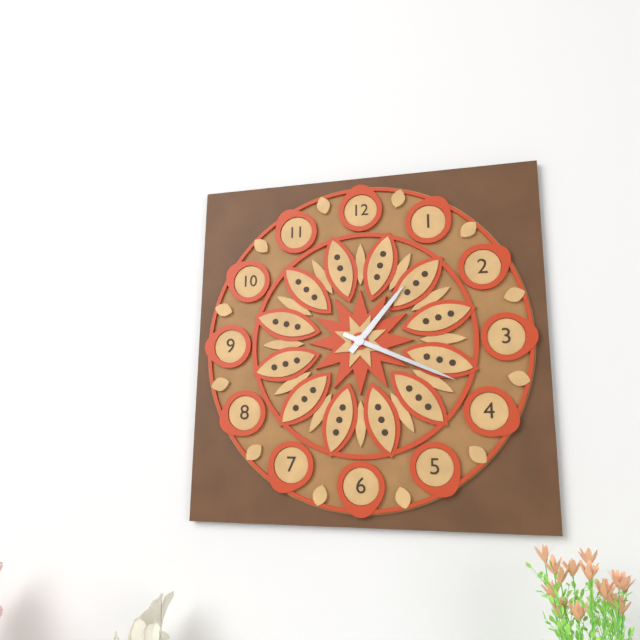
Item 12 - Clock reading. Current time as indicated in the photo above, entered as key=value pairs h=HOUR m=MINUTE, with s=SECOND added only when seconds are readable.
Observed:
h=1 m=19
